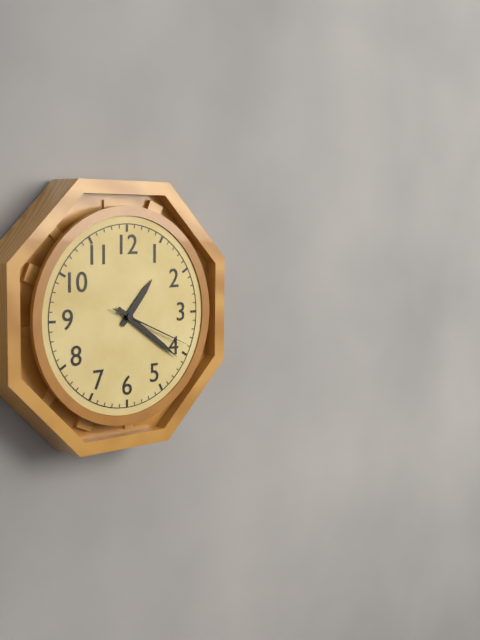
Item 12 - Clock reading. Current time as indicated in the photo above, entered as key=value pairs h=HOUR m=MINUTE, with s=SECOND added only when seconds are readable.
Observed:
h=1 m=21 s=19
